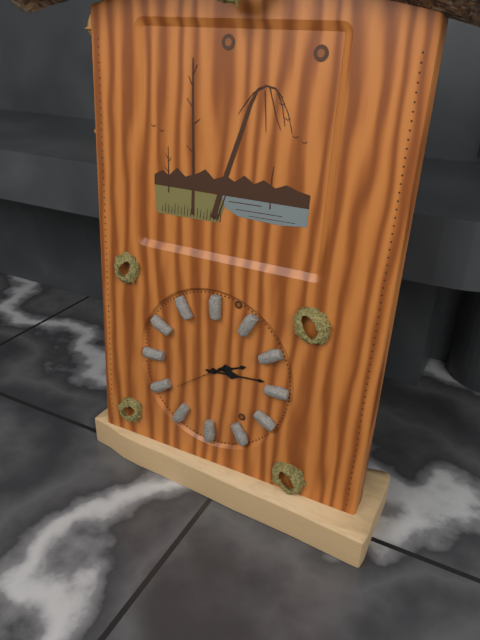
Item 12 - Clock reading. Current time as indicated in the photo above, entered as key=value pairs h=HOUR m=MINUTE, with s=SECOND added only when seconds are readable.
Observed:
h=2 m=14
